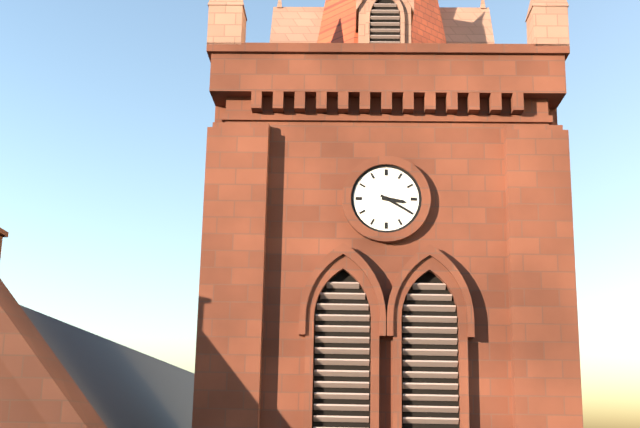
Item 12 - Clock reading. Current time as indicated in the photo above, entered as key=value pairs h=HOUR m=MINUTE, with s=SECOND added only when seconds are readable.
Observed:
h=3 m=20
